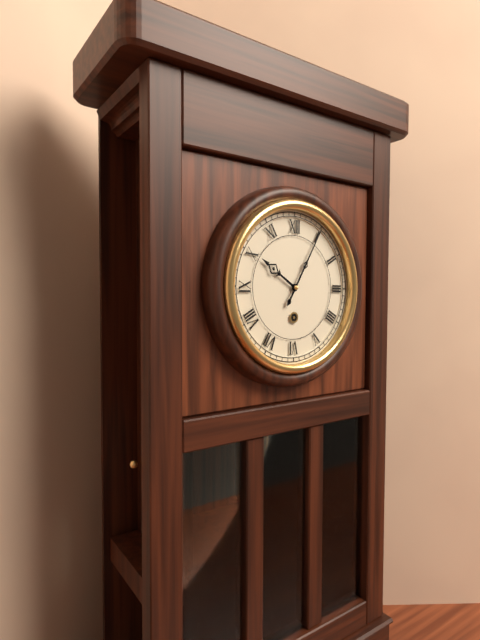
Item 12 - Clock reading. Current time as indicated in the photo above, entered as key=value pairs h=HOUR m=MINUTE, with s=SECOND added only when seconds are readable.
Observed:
h=10 m=5
